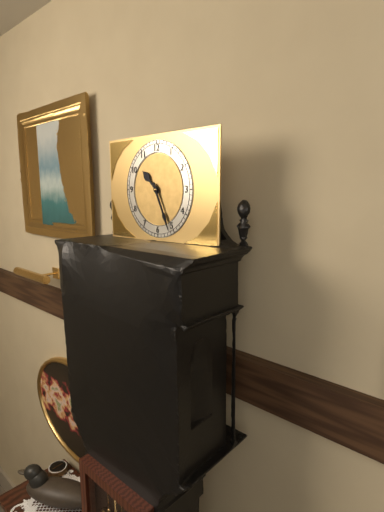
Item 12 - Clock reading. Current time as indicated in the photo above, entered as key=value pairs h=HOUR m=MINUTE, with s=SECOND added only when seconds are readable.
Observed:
h=10 m=26
